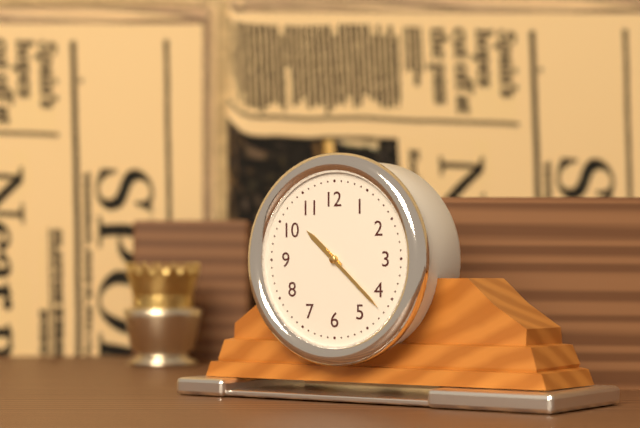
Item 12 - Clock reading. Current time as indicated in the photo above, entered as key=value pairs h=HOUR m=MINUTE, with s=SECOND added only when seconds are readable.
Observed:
h=10 m=22
